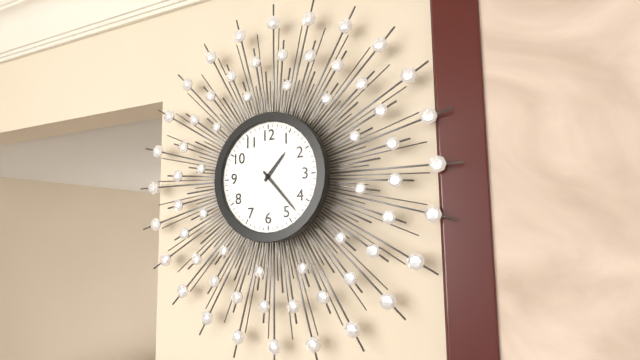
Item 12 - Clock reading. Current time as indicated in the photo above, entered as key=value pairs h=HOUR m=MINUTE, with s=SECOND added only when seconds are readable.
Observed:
h=1 m=23
